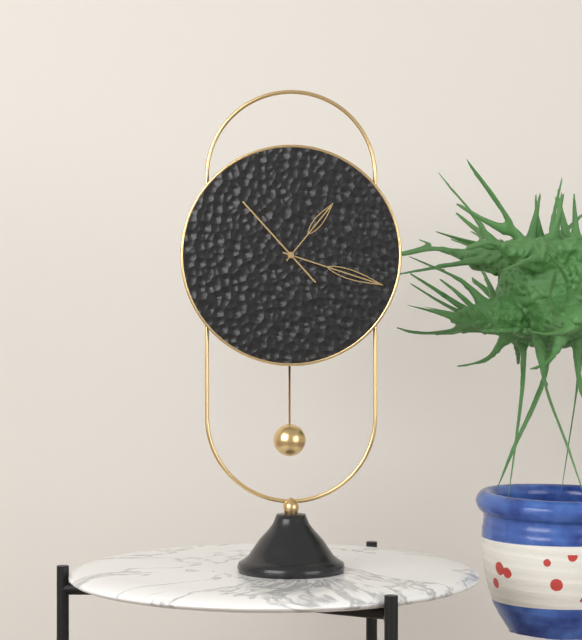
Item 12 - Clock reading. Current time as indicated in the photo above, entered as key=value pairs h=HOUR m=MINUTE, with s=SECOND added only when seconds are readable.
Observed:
h=1 m=18 s=53
